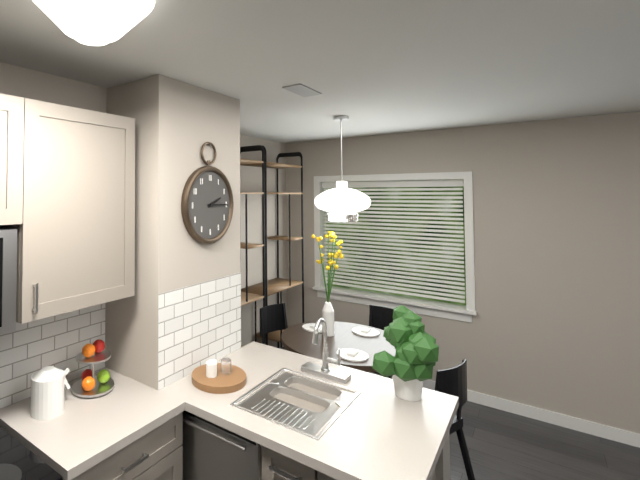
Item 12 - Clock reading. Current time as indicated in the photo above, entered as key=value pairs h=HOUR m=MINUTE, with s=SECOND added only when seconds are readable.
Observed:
h=2 m=15
